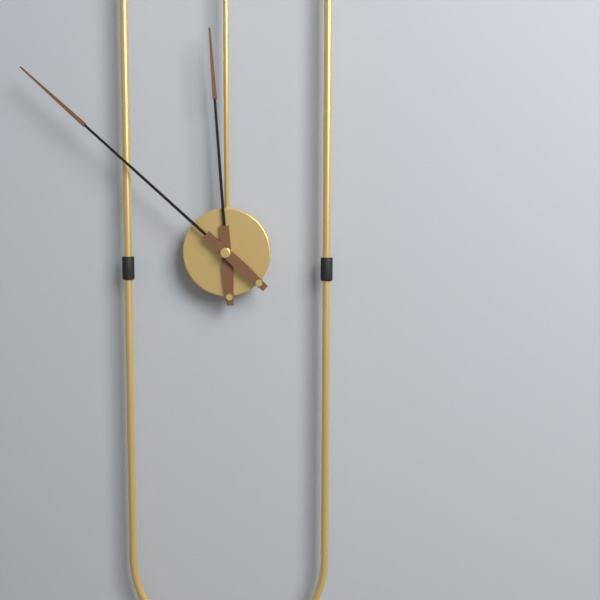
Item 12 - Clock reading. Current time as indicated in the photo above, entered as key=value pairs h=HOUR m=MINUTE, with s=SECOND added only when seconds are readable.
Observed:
h=11 m=52
